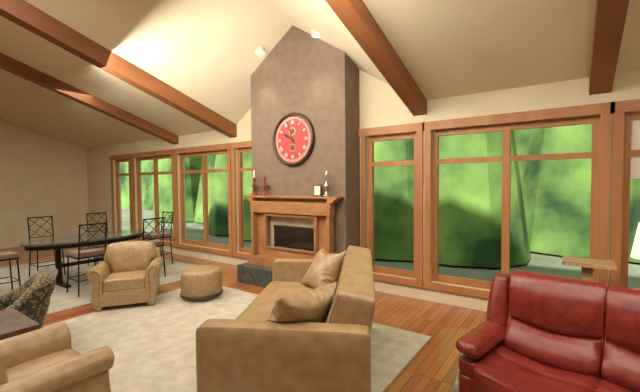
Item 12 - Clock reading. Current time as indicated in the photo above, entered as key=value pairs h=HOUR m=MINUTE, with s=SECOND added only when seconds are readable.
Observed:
h=9 m=57
